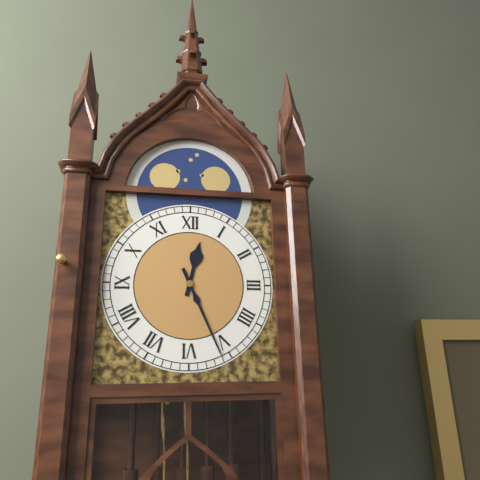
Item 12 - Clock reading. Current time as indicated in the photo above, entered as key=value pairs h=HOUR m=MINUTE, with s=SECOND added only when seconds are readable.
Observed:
h=12 m=26
